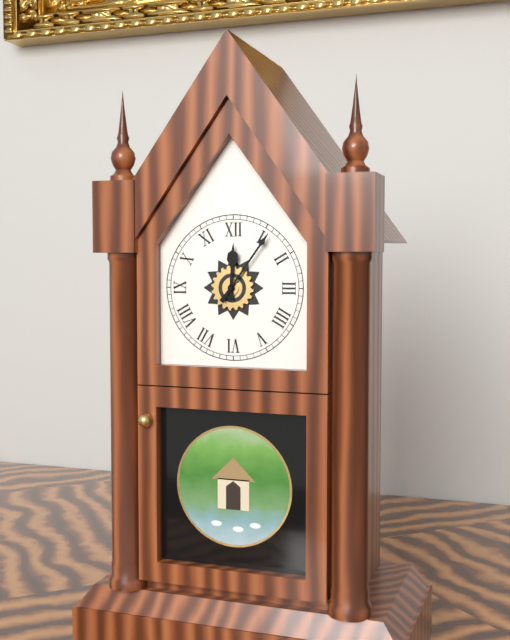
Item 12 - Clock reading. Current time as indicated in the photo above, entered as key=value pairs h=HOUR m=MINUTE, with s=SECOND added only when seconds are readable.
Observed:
h=12 m=6
